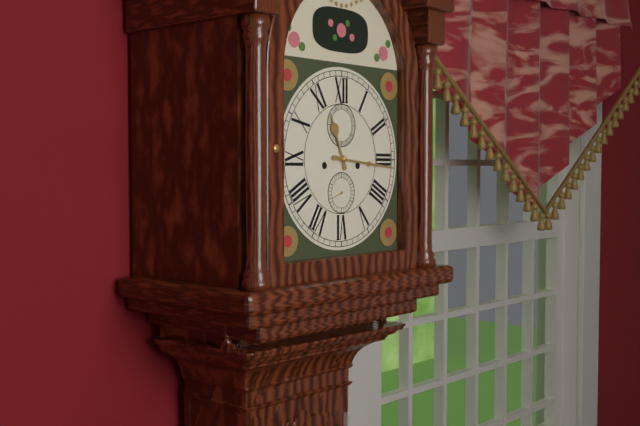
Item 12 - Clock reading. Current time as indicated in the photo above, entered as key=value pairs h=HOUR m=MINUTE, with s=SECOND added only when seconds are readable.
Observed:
h=11 m=16
